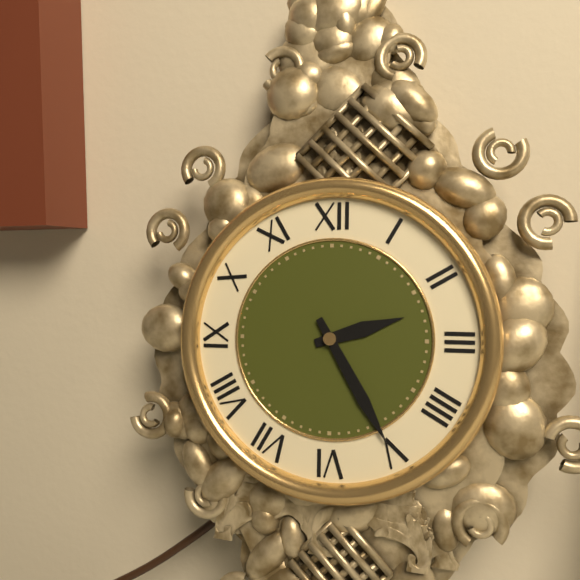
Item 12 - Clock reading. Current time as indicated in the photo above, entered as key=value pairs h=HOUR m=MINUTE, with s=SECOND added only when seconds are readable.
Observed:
h=2 m=25
